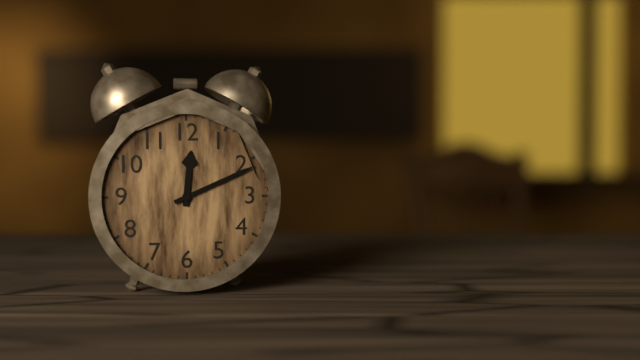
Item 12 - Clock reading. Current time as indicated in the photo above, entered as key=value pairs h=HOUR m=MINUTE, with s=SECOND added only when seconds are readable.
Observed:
h=12 m=11
